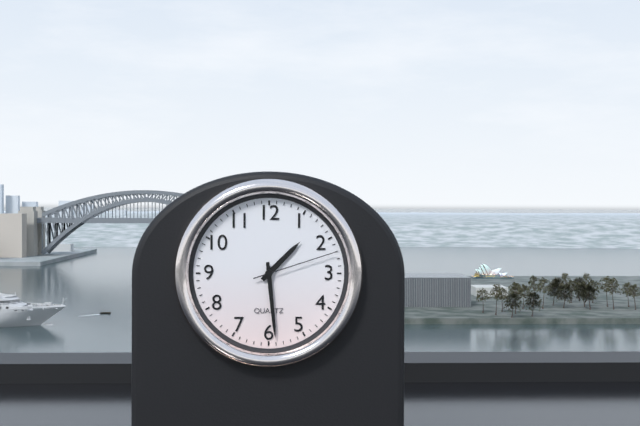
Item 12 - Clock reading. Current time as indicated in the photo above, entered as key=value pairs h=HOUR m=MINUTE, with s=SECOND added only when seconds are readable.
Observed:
h=1 m=29 s=12
